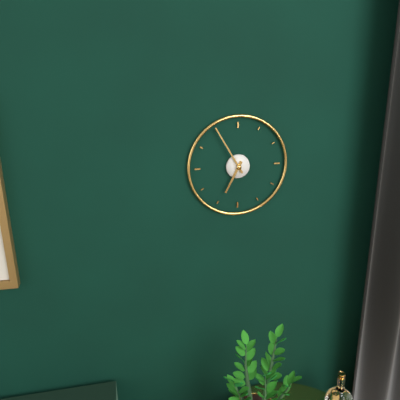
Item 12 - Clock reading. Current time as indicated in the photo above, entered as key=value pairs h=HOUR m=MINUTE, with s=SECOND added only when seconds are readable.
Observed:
h=6 m=55
